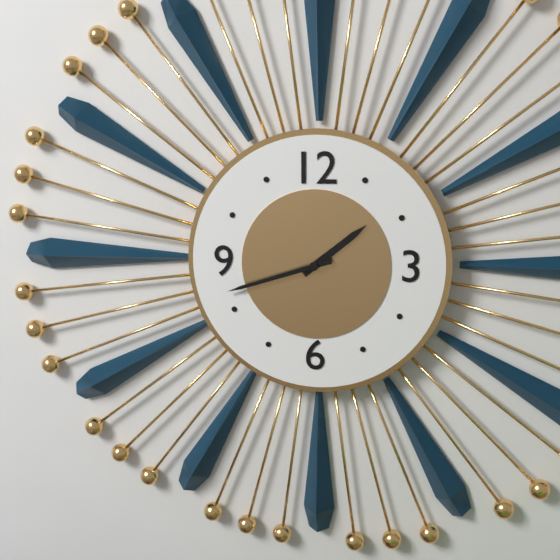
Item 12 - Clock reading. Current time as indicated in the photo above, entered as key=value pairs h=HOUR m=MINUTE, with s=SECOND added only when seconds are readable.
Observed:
h=1 m=42
